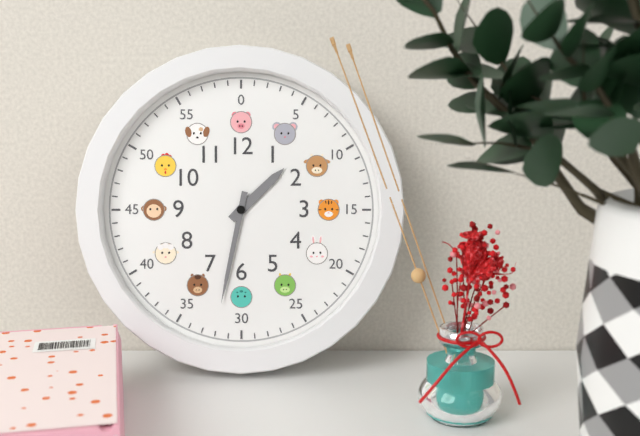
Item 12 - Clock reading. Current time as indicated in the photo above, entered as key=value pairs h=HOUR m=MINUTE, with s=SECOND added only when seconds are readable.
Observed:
h=1 m=32
